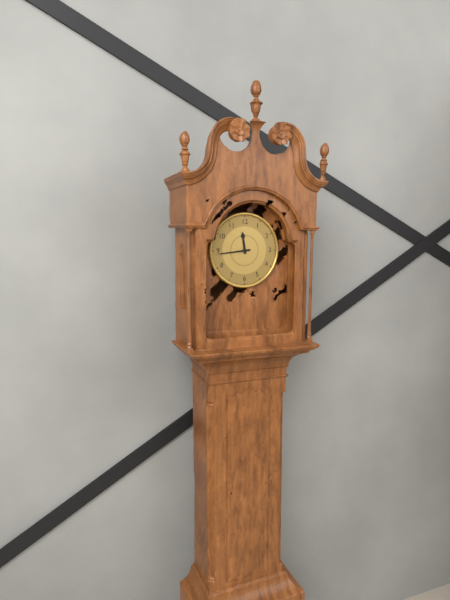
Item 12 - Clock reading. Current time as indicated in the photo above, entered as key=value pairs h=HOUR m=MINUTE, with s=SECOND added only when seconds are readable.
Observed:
h=11 m=44
